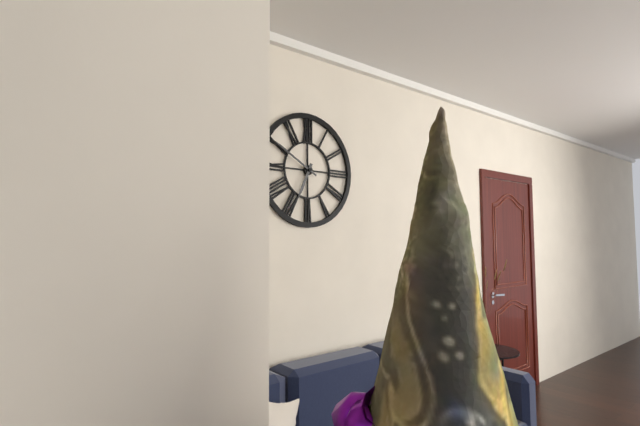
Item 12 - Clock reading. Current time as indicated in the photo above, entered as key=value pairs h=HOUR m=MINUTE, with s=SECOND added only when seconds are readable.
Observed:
h=6 m=50
